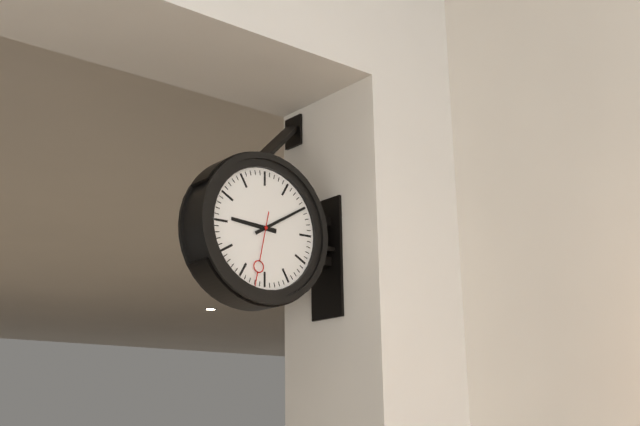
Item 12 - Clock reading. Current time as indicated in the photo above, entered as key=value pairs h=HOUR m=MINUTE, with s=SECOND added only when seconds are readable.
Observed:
h=9 m=10 s=32
